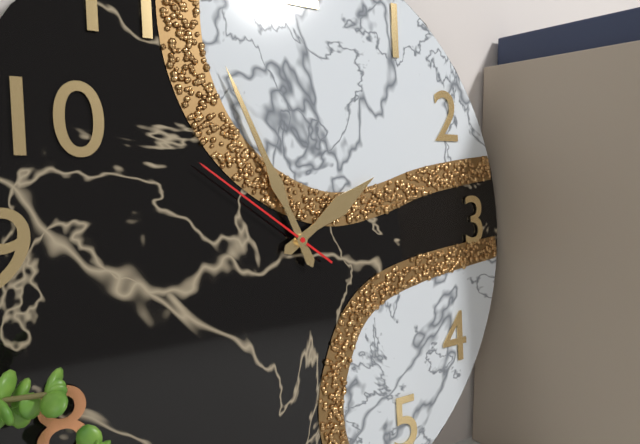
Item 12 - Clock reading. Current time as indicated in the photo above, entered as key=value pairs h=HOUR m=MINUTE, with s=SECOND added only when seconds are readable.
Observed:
h=1 m=56 s=51
